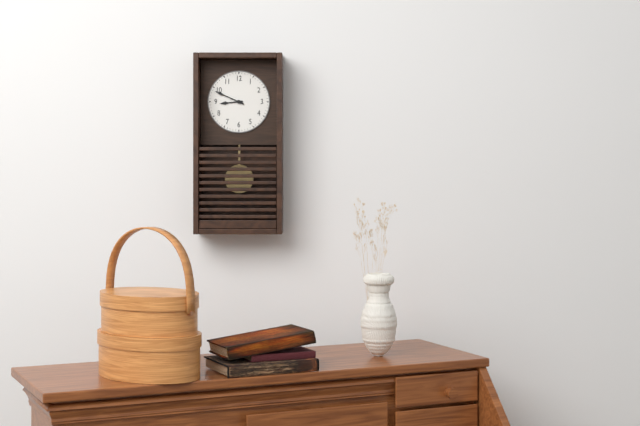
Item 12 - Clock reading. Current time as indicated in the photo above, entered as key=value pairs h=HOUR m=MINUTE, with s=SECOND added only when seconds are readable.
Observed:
h=8 m=49
